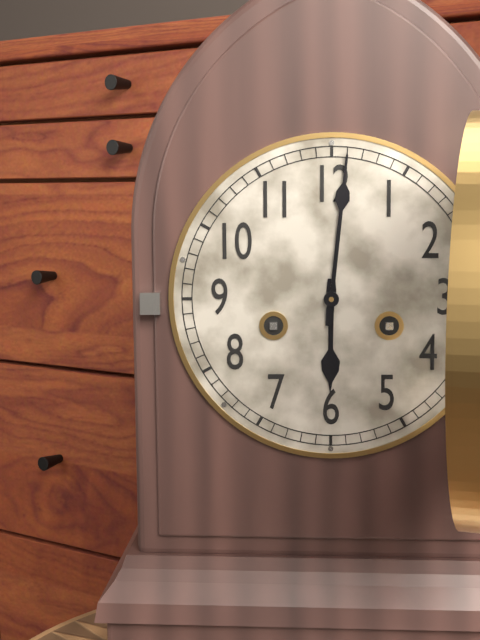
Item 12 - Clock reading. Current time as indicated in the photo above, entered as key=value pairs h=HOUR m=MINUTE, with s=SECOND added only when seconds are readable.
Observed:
h=6 m=1
